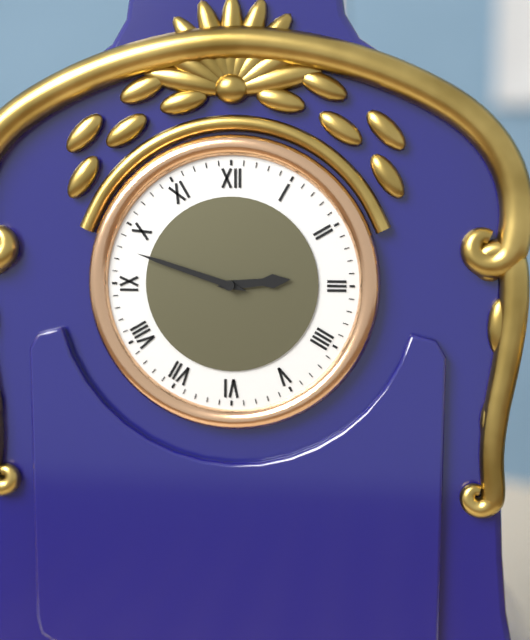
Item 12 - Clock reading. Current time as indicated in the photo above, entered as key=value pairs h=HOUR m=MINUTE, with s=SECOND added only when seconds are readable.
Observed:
h=2 m=48
